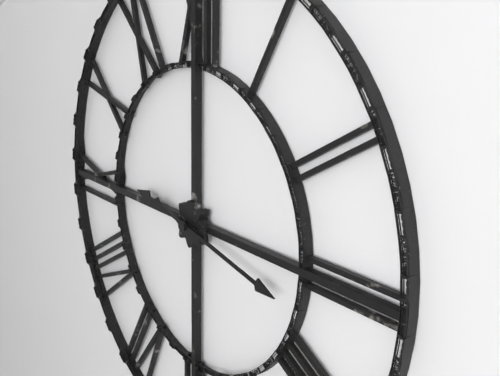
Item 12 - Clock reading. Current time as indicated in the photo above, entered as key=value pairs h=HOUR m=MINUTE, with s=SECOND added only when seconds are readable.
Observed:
h=9 m=17
